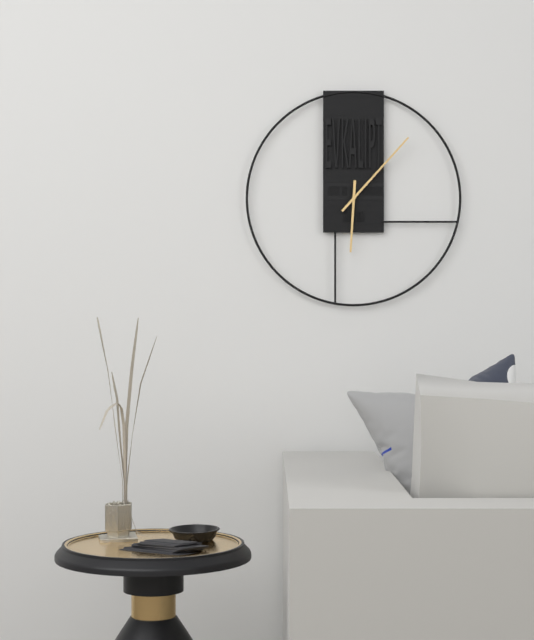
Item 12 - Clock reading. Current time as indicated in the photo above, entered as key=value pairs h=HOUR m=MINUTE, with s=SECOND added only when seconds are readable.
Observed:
h=6 m=7
